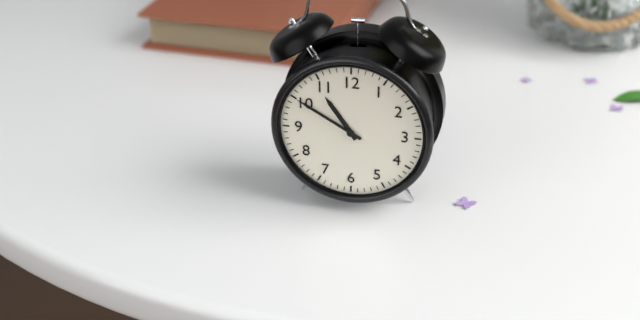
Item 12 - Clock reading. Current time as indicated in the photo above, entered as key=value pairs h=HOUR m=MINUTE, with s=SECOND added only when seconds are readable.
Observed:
h=10 m=50
